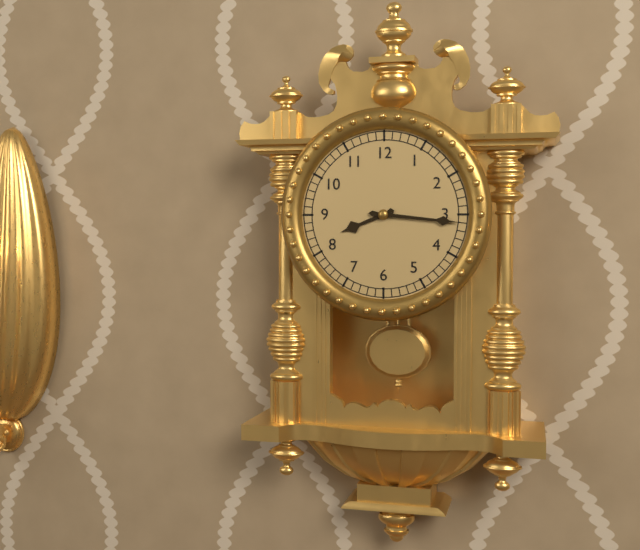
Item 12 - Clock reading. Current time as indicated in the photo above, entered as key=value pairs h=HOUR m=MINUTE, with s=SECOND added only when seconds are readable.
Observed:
h=8 m=16
